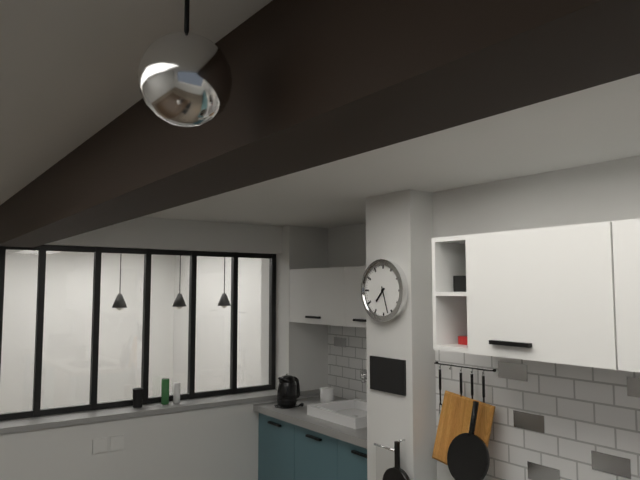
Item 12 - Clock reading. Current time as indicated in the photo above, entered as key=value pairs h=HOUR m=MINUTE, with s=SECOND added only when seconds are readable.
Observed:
h=7 m=27
